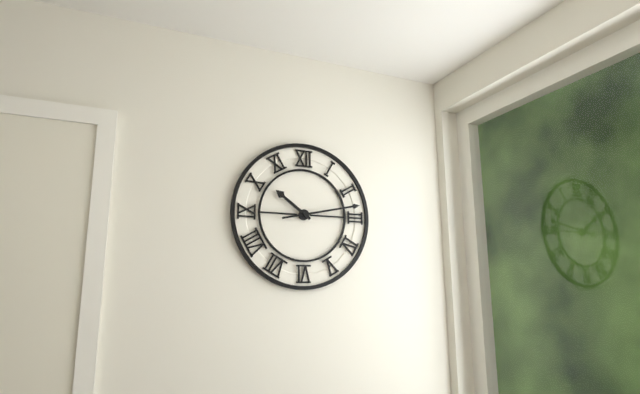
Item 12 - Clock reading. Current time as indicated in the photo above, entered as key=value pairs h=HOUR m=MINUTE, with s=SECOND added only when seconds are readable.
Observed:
h=10 m=13
